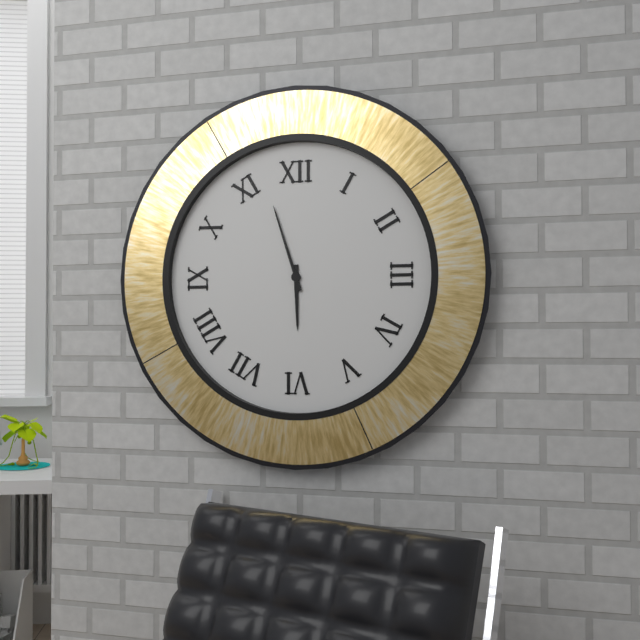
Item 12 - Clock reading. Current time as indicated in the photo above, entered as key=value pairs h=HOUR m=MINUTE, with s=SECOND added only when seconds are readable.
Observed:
h=5 m=57
